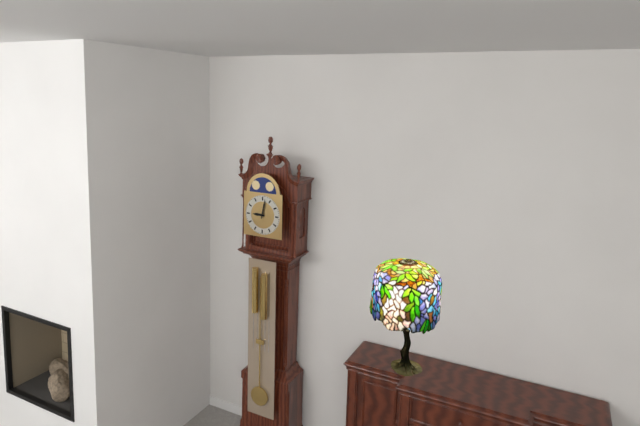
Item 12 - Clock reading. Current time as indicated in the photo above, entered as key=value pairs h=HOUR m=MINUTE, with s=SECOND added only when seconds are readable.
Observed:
h=9 m=2
